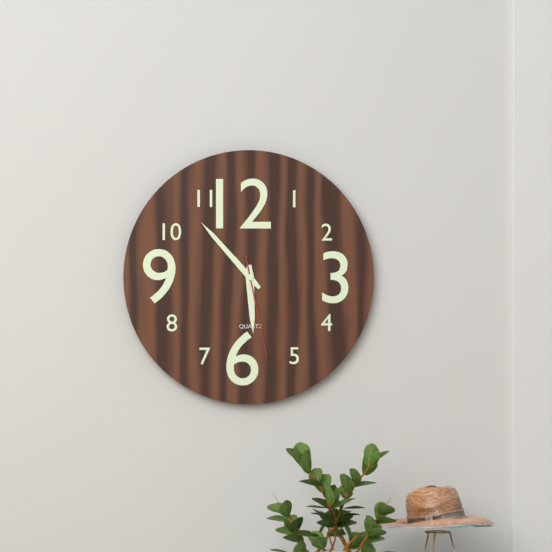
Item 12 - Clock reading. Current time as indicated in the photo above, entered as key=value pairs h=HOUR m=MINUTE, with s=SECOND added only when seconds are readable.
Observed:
h=5 m=53 s=28
